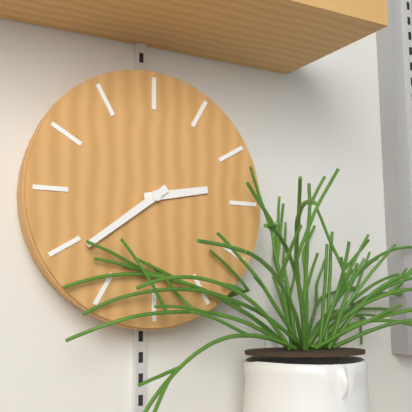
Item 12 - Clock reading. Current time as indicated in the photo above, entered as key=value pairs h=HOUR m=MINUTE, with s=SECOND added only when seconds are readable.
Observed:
h=2 m=39
